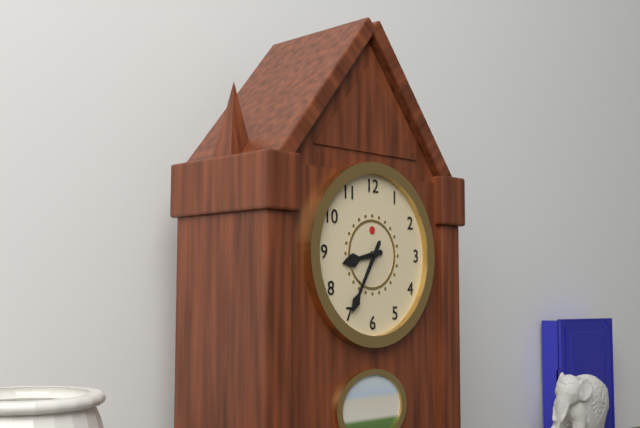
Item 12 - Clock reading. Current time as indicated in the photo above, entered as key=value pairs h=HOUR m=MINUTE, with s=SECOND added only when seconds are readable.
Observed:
h=8 m=35
